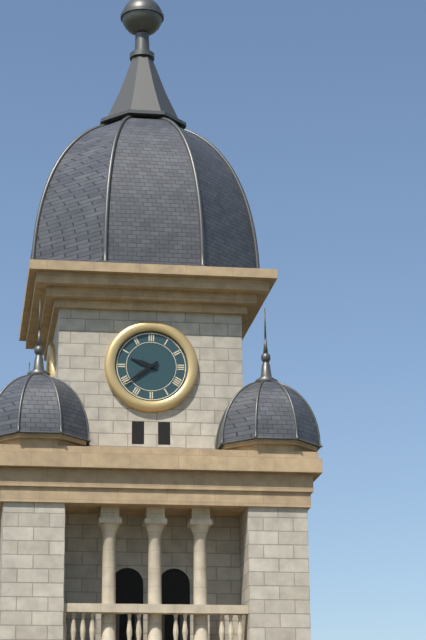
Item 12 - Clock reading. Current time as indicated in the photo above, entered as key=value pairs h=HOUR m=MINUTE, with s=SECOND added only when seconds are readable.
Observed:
h=9 m=39
